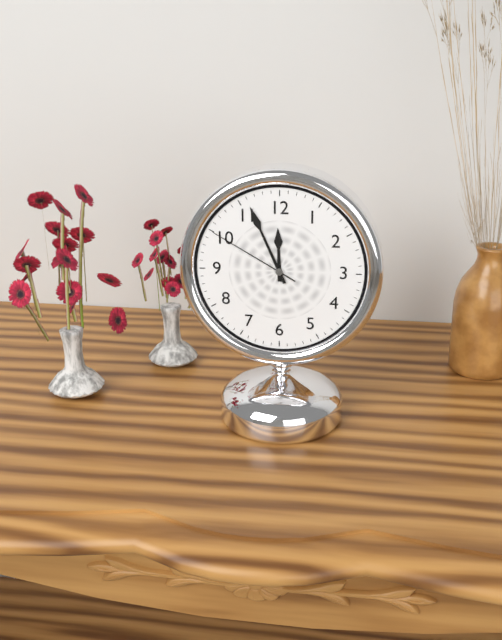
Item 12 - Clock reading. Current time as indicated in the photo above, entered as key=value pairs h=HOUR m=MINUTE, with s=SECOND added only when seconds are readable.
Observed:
h=11 m=56 s=50
